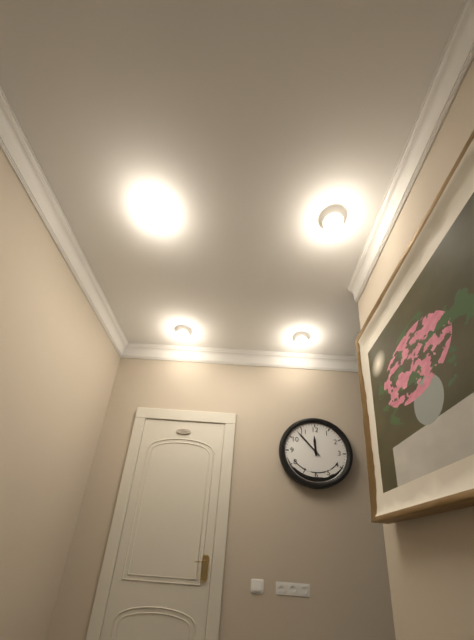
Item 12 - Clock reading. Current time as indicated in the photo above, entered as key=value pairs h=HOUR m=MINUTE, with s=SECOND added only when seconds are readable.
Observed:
h=11 m=53
